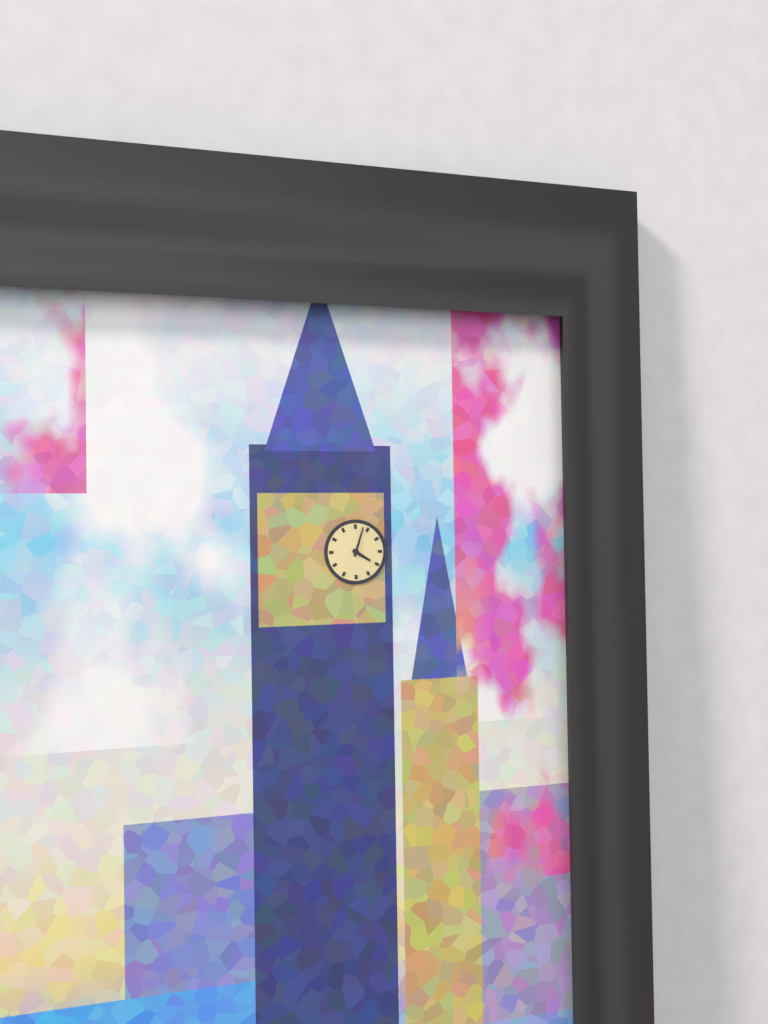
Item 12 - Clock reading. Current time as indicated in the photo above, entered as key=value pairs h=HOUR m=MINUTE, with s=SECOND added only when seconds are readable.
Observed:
h=4 m=3
